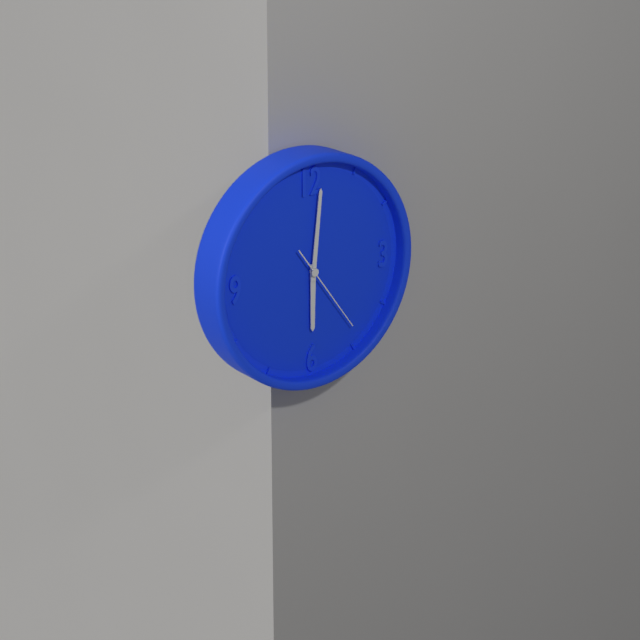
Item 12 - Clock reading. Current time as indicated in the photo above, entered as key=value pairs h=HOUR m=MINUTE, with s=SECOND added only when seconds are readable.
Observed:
h=6 m=1 s=24
